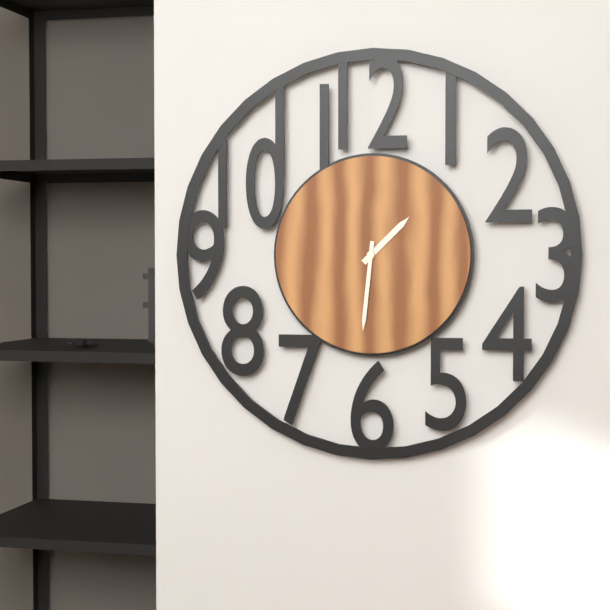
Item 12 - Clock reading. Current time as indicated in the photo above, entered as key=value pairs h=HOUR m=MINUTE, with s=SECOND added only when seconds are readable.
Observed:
h=1 m=31
